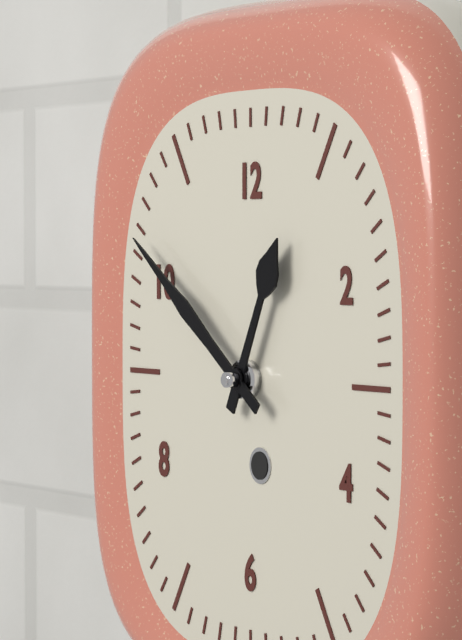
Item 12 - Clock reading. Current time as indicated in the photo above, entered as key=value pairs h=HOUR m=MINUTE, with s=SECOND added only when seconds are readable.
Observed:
h=12 m=51
